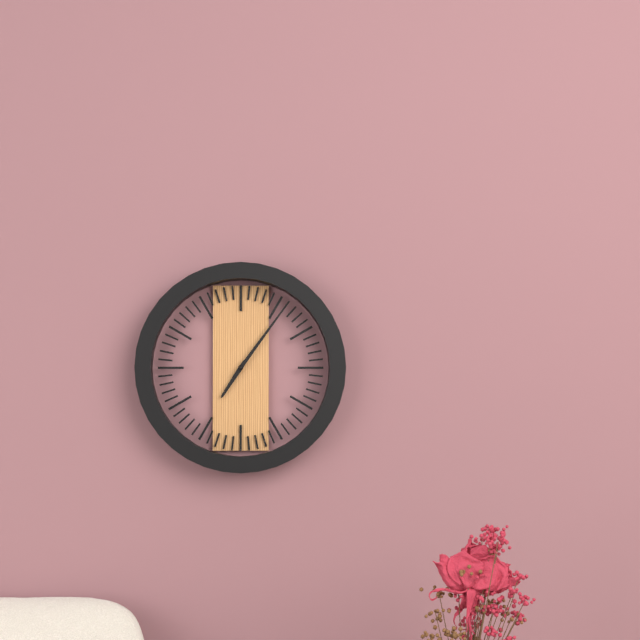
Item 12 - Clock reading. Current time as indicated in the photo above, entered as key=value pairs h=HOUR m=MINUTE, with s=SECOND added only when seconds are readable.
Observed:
h=7 m=6
